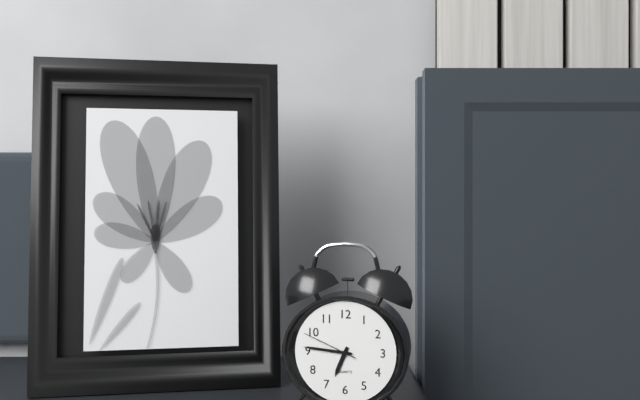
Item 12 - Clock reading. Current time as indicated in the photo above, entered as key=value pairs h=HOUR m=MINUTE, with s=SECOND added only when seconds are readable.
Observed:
h=6 m=46 s=49
